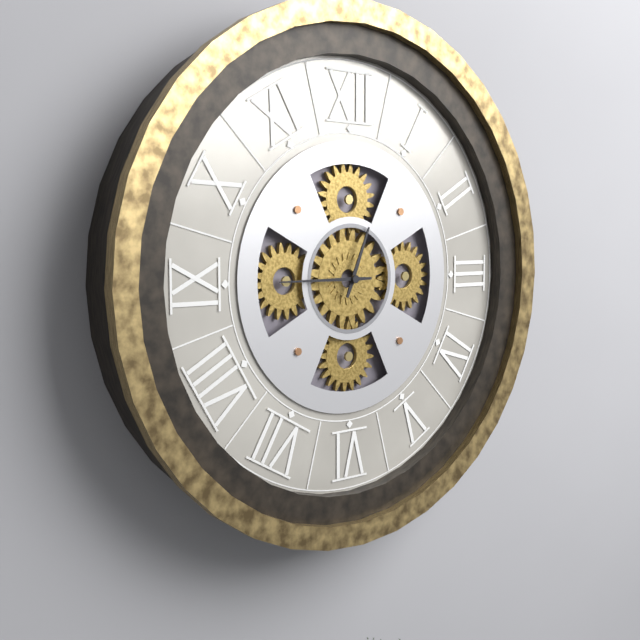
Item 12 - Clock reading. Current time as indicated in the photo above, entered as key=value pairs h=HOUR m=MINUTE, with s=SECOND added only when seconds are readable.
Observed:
h=12 m=45
